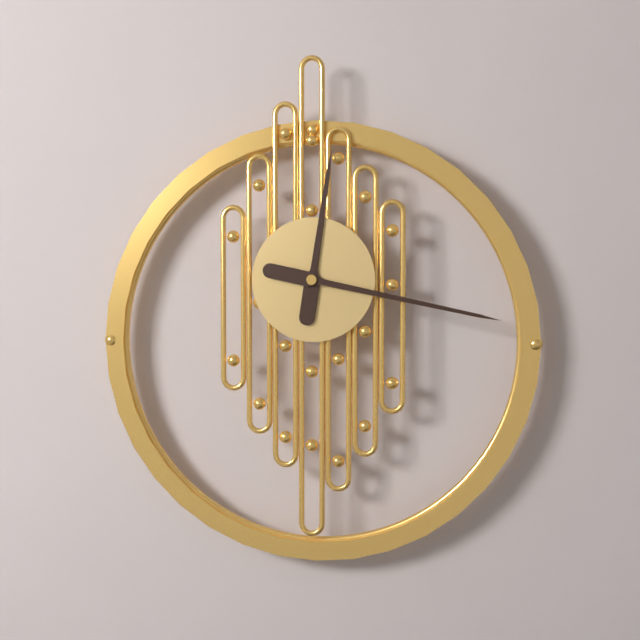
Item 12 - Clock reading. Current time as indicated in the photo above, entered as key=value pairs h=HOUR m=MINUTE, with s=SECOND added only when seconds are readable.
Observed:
h=12 m=17
